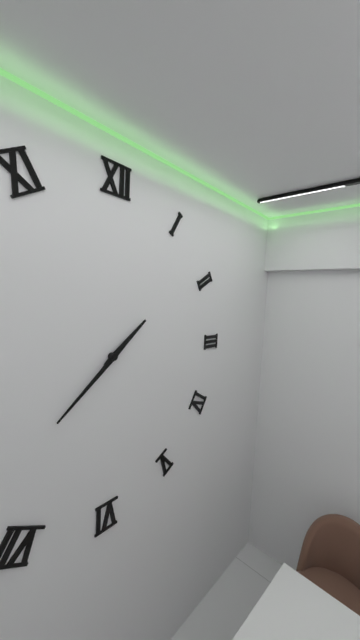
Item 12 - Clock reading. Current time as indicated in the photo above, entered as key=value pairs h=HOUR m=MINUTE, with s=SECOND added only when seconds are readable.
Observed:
h=1 m=38
